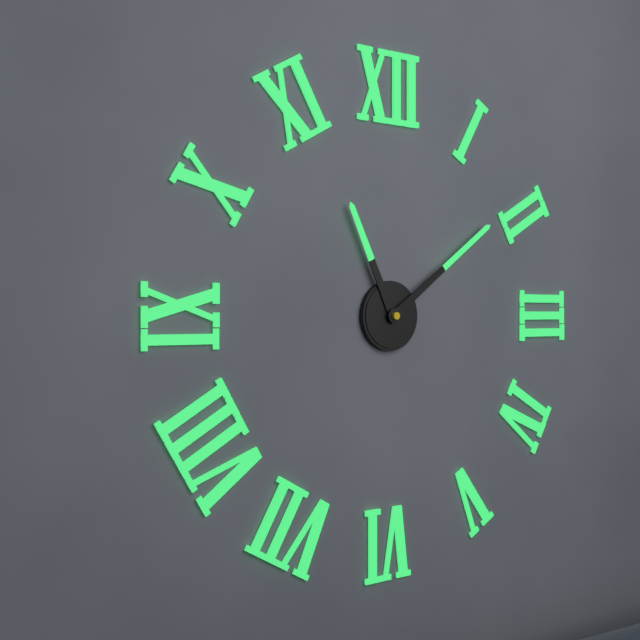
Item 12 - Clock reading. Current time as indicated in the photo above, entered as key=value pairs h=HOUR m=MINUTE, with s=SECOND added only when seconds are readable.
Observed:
h=11 m=9
